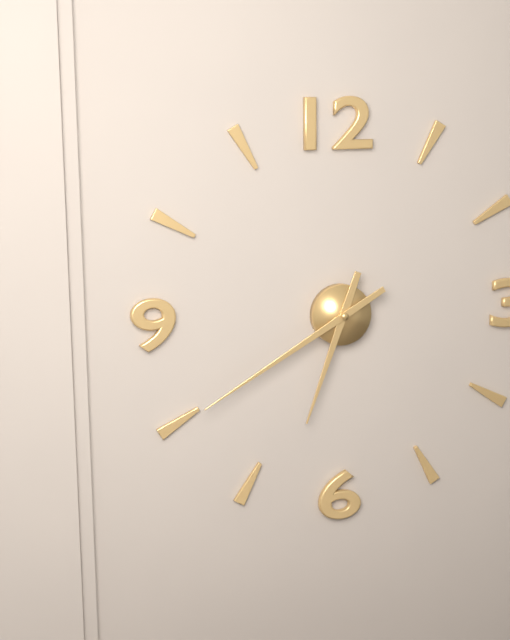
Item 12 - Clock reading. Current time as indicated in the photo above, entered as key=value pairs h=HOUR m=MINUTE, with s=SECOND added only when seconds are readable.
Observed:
h=6 m=40
